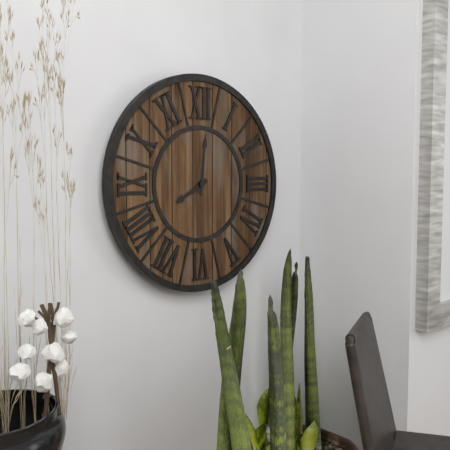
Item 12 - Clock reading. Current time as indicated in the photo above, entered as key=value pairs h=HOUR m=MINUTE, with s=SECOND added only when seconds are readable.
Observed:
h=8 m=1
